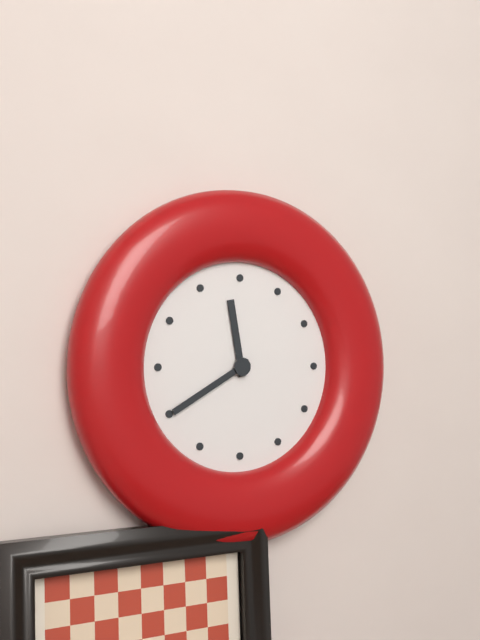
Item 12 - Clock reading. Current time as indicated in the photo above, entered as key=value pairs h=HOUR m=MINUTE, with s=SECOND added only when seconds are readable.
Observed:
h=11 m=40
